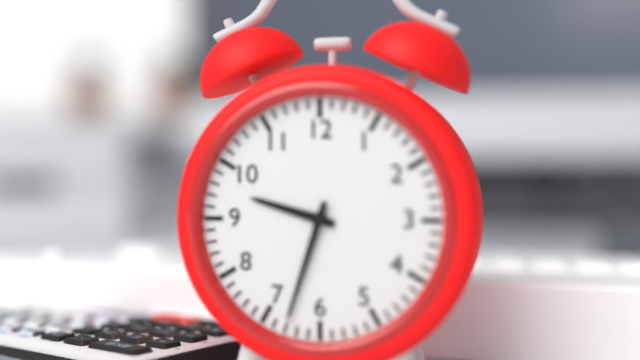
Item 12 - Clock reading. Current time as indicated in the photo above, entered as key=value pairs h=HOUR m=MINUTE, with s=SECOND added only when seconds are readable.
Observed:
h=9 m=33
